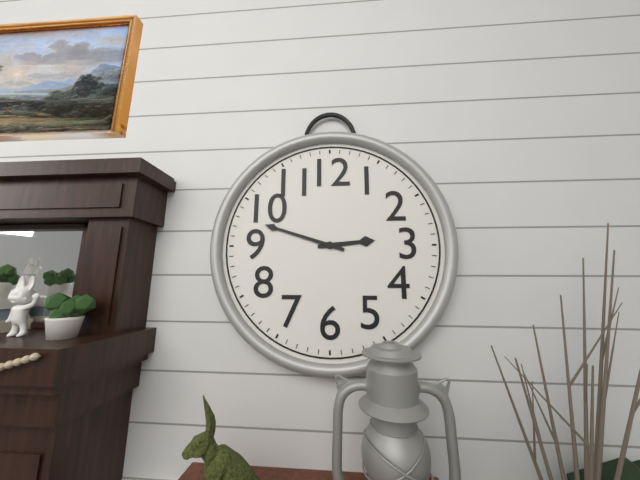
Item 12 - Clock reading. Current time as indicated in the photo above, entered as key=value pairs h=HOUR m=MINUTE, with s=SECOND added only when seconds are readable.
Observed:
h=2 m=48
